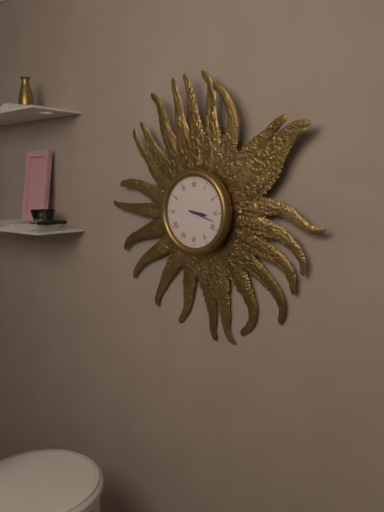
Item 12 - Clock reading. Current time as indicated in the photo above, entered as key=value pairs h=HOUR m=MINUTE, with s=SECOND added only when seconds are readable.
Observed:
h=3 m=18
